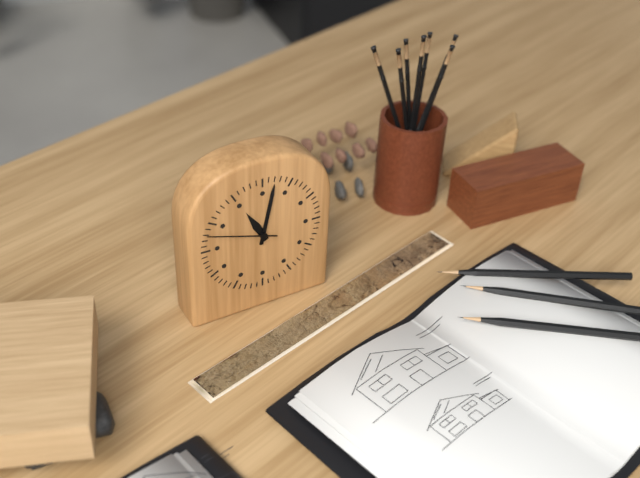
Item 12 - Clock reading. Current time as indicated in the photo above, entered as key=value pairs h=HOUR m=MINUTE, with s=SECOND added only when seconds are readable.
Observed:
h=11 m=2 s=48
